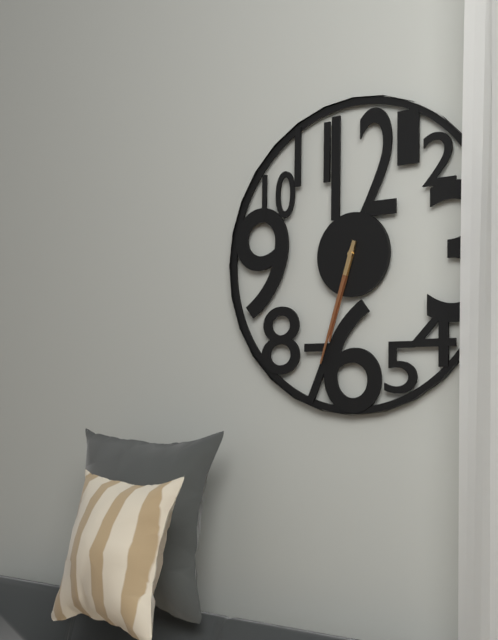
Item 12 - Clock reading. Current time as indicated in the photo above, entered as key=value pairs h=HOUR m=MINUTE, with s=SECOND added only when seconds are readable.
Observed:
h=6 m=33
